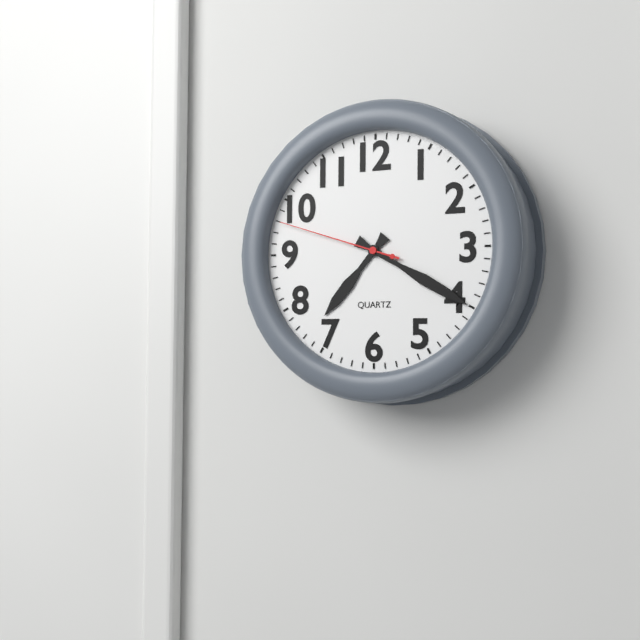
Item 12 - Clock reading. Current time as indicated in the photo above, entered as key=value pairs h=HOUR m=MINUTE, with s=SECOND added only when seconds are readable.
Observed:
h=7 m=20 s=48
